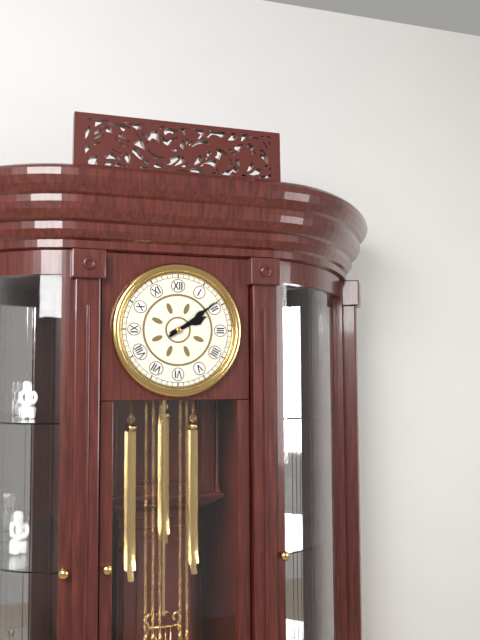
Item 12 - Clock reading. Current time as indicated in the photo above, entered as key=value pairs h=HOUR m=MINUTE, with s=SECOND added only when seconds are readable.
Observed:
h=2 m=9
